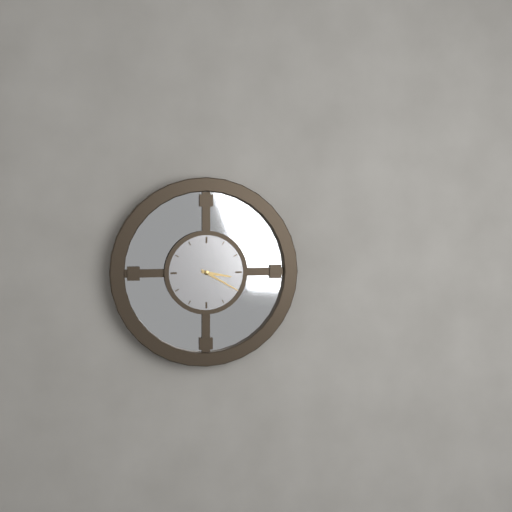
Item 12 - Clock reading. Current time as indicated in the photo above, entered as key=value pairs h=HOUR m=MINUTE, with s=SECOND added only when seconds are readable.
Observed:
h=3 m=20
